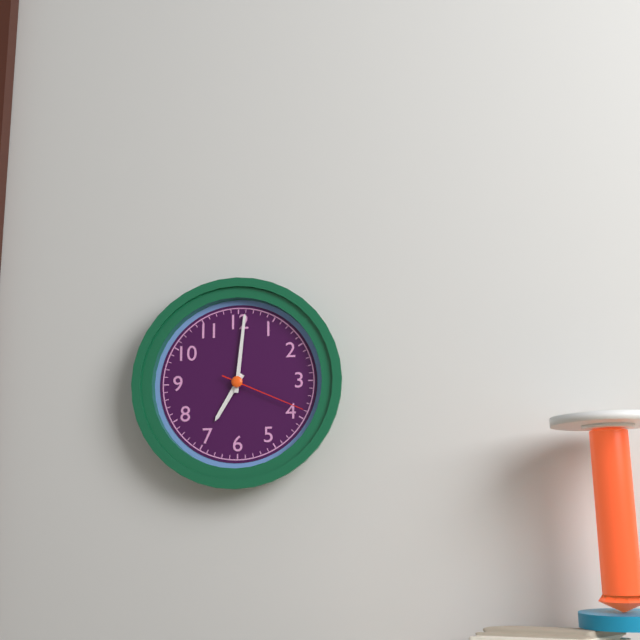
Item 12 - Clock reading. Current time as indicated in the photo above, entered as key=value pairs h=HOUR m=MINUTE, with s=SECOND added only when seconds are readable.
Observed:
h=7 m=1 s=19
